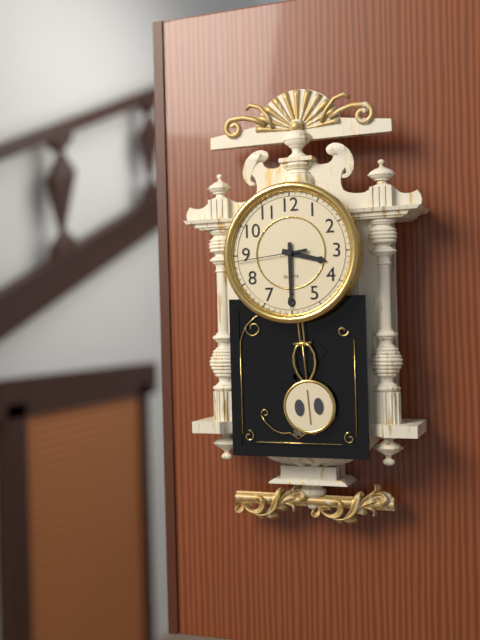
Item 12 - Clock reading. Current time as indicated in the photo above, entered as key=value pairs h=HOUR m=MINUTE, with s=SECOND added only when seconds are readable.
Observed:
h=3 m=30 s=44
